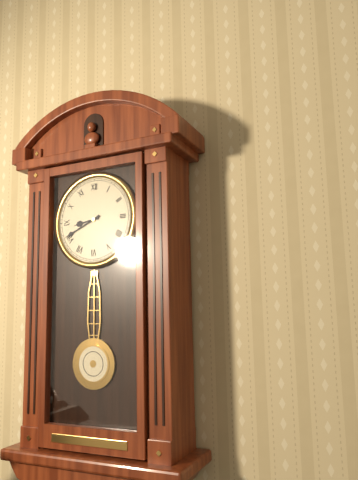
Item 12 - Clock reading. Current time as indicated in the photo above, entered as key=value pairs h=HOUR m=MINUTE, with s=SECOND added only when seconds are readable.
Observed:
h=8 m=41
